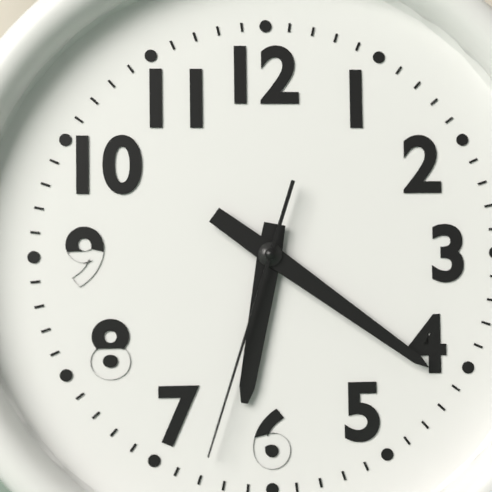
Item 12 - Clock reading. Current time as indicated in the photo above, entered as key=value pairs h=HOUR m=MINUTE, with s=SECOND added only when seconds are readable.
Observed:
h=6 m=21 s=33
